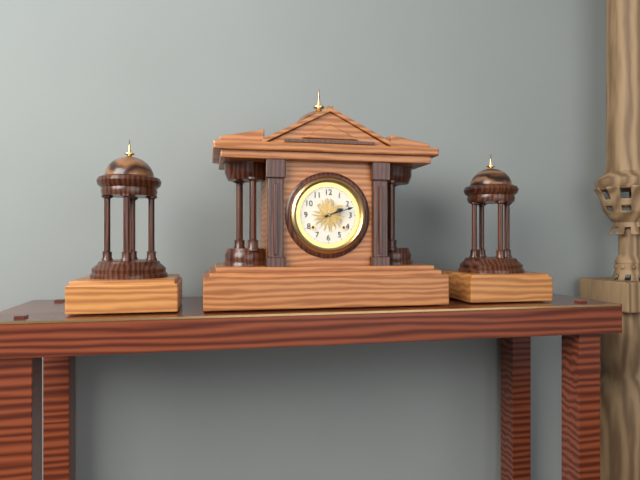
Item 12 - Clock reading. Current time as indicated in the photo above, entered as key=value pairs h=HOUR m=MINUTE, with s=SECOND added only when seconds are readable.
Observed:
h=2 m=12
